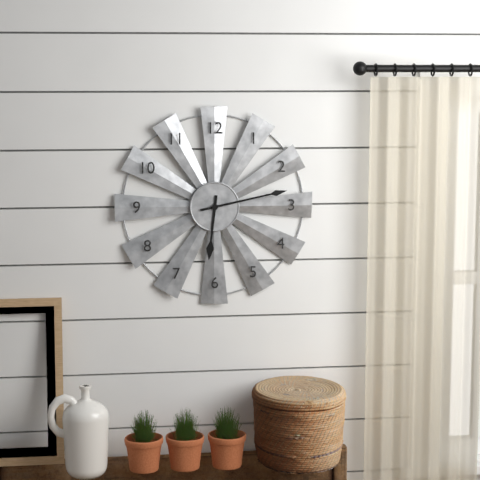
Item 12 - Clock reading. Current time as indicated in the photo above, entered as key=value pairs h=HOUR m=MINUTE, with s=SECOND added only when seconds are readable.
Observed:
h=6 m=13
